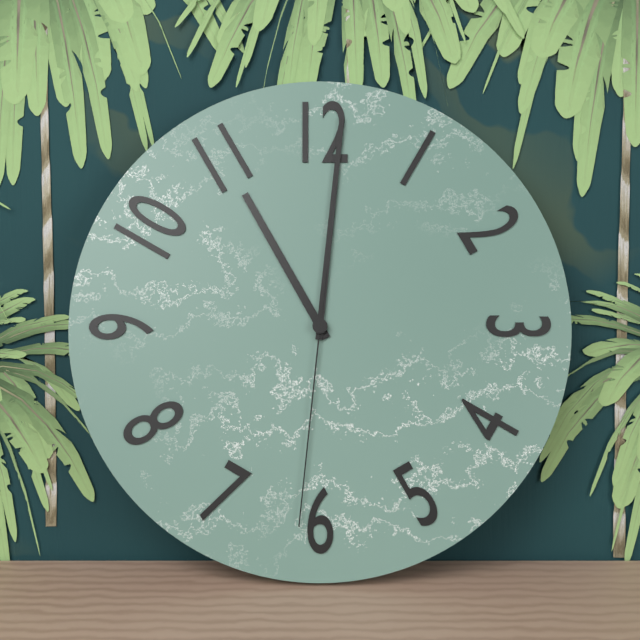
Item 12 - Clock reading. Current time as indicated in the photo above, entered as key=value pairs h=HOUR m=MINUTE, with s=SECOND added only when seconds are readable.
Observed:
h=11 m=1 s=31
